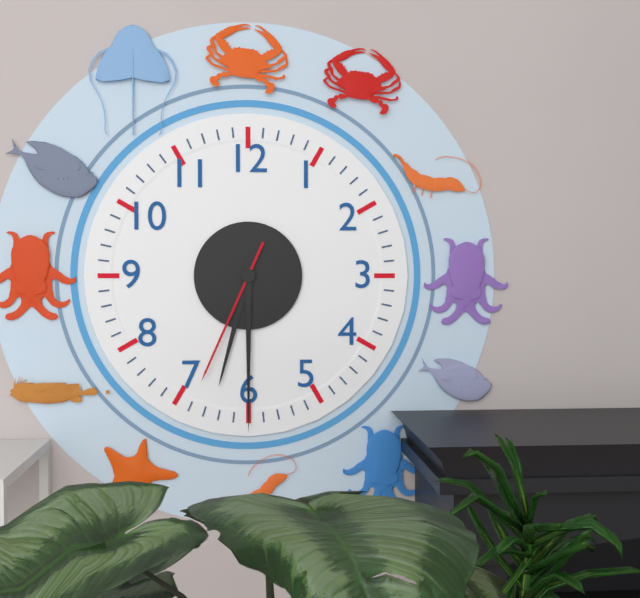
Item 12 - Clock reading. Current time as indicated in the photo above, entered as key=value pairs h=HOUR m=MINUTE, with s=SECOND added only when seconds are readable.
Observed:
h=6 m=30 s=34
